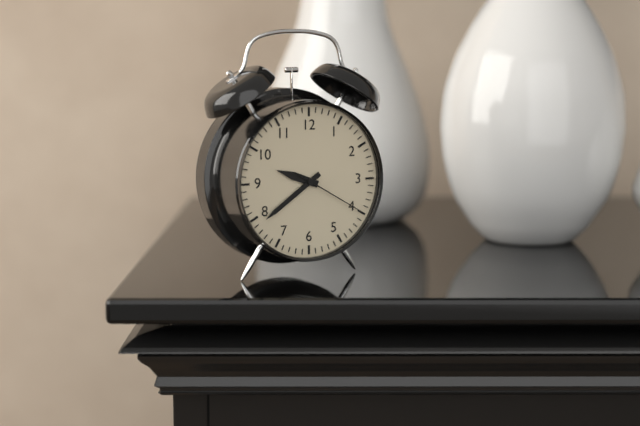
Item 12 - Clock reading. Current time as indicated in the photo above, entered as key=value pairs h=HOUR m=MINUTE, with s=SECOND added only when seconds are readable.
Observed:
h=9 m=39 s=20
